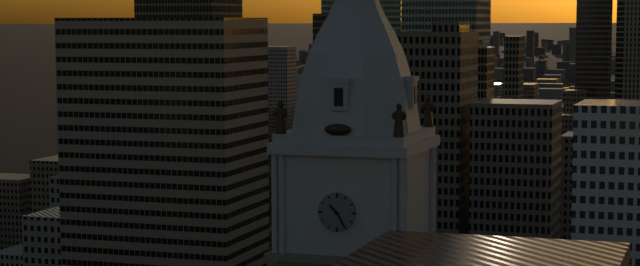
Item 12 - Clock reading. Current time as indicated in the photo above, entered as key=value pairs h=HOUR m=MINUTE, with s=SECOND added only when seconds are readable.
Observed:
h=10 m=25
